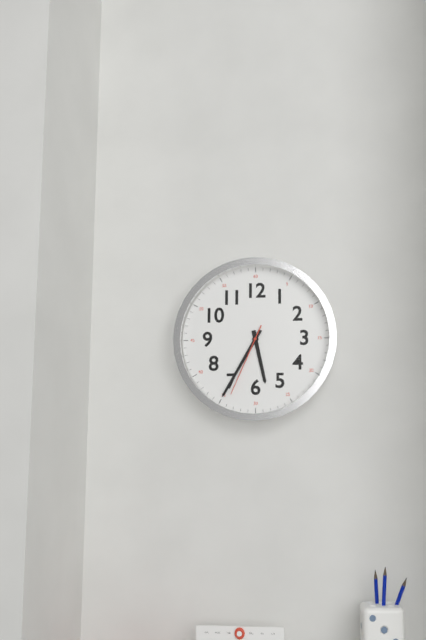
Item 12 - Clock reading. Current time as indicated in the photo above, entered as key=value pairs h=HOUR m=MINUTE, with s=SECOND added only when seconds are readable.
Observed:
h=5 m=35 s=34
